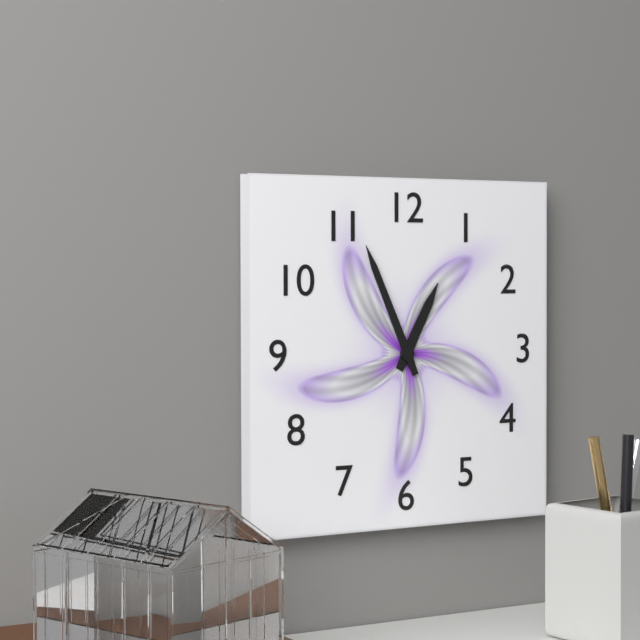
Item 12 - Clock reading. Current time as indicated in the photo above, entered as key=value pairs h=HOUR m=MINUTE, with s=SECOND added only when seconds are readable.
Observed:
h=12 m=56
